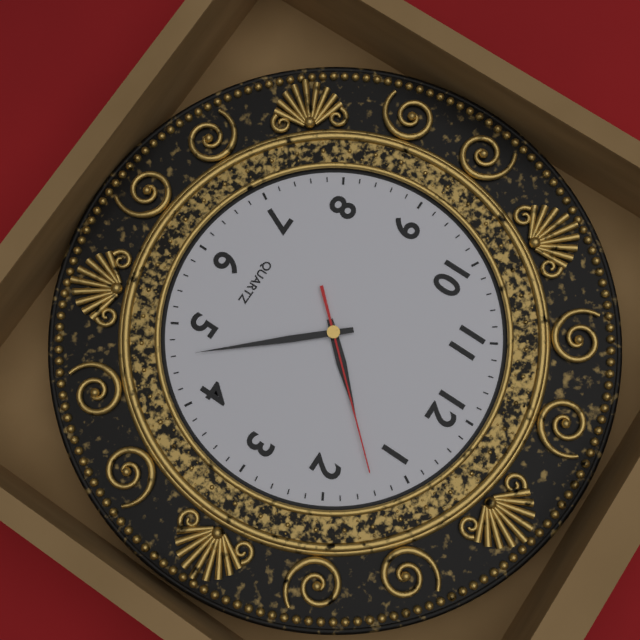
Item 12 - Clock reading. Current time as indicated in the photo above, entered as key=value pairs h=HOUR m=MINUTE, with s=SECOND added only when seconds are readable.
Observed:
h=1 m=23 s=7
